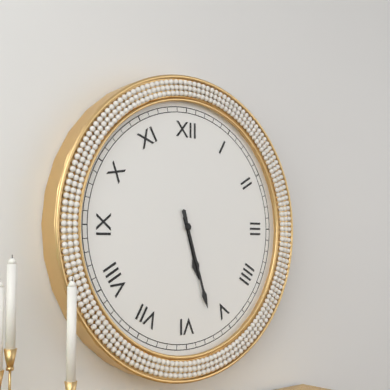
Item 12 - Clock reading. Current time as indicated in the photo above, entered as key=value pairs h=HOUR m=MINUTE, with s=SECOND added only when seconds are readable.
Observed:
h=5 m=27
